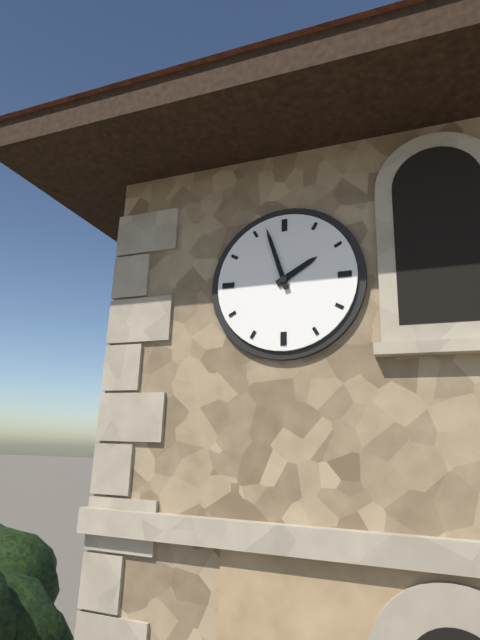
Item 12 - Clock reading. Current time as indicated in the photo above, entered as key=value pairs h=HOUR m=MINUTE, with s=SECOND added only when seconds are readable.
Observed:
h=1 m=57
